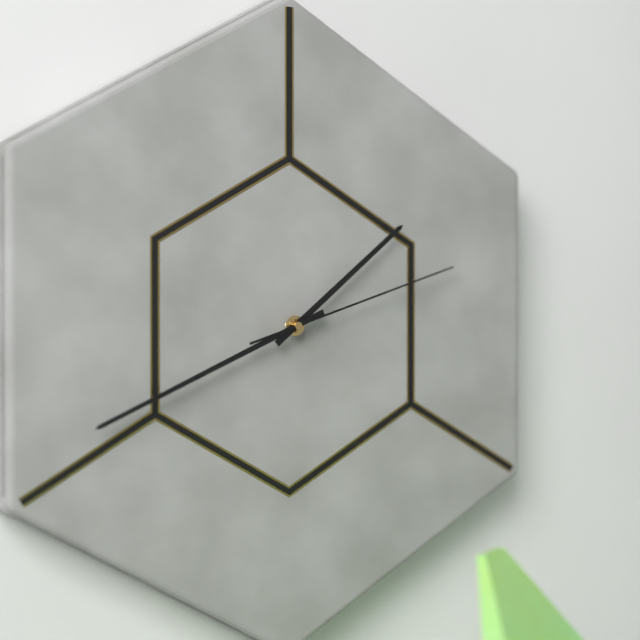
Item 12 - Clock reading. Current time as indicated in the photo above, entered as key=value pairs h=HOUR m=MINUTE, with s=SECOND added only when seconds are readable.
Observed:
h=1 m=41 s=12
